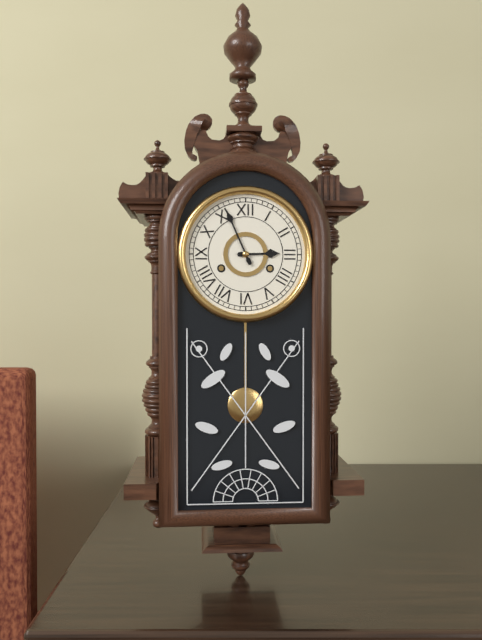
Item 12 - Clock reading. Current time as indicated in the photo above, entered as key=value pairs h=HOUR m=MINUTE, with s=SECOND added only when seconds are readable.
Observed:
h=2 m=56
